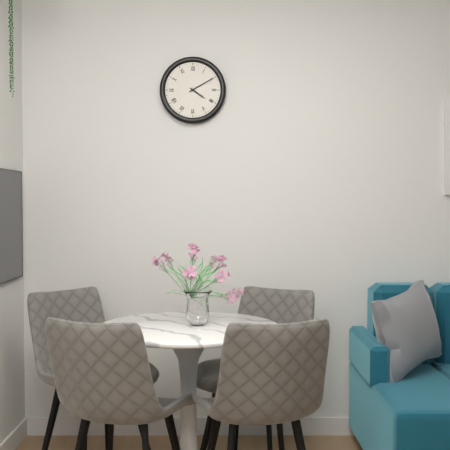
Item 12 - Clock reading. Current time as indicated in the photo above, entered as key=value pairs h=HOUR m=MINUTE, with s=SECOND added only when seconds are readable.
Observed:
h=4 m=10
